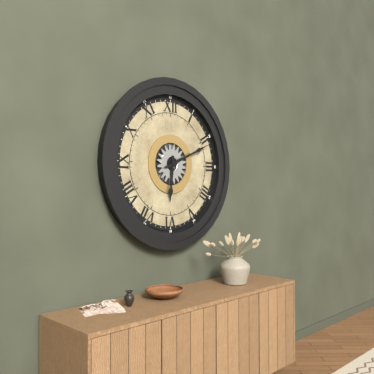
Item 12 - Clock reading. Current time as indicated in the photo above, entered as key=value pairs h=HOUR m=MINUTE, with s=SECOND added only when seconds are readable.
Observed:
h=6 m=11
